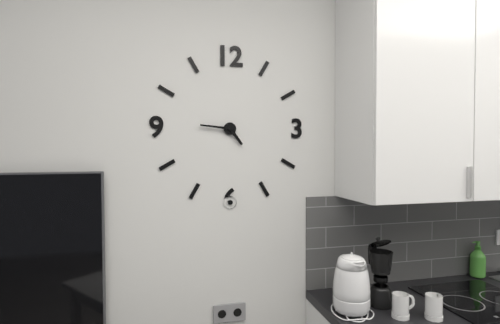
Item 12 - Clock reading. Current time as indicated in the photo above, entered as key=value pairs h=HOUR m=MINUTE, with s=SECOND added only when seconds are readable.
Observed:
h=4 m=46
